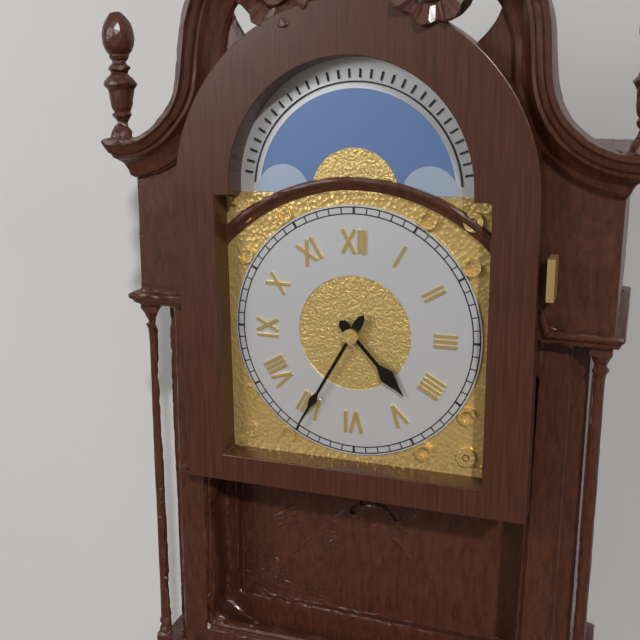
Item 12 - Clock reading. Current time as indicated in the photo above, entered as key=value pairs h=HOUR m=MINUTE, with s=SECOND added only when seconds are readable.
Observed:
h=4 m=35
